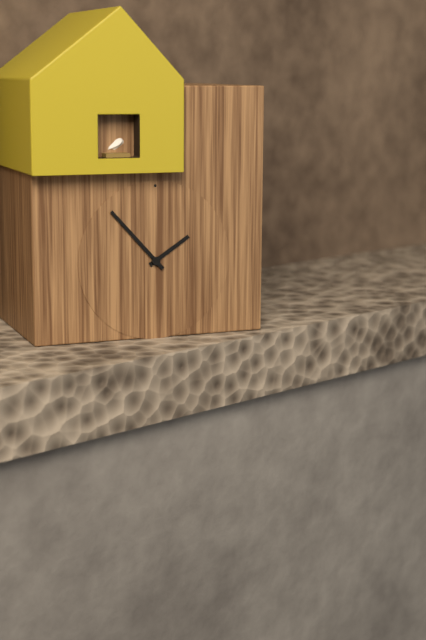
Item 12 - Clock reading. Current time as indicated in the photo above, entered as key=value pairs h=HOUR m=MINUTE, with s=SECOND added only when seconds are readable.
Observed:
h=1 m=53
